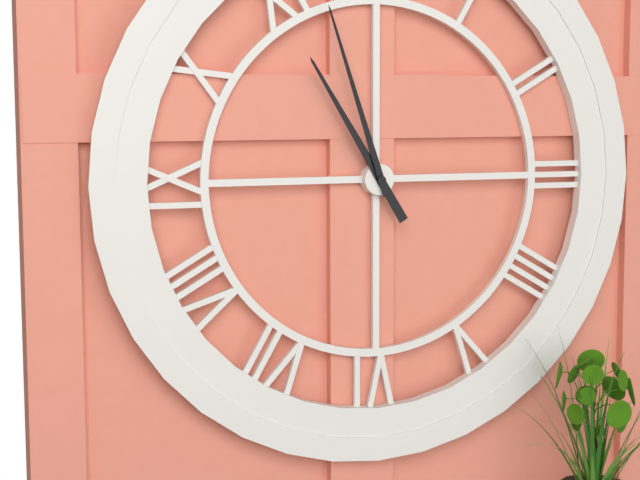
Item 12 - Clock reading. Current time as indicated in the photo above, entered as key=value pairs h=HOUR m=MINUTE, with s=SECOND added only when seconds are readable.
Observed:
h=10 m=57
